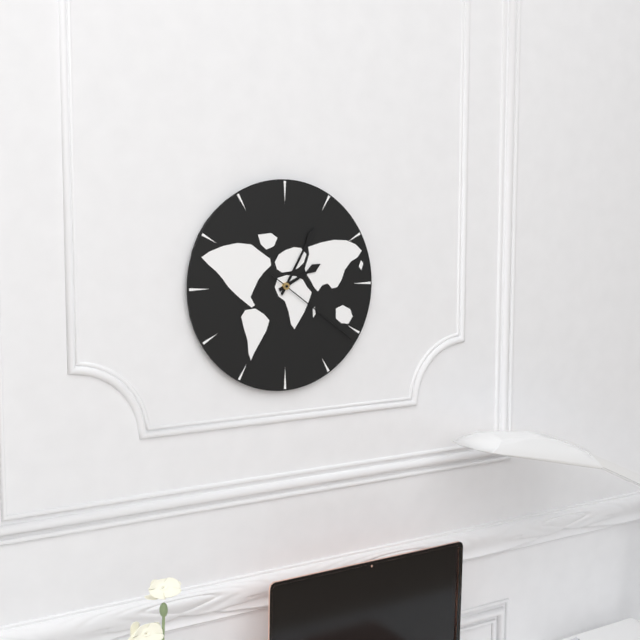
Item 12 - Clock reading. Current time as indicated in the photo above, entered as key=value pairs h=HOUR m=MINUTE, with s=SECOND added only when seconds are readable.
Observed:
h=2 m=5 s=21
